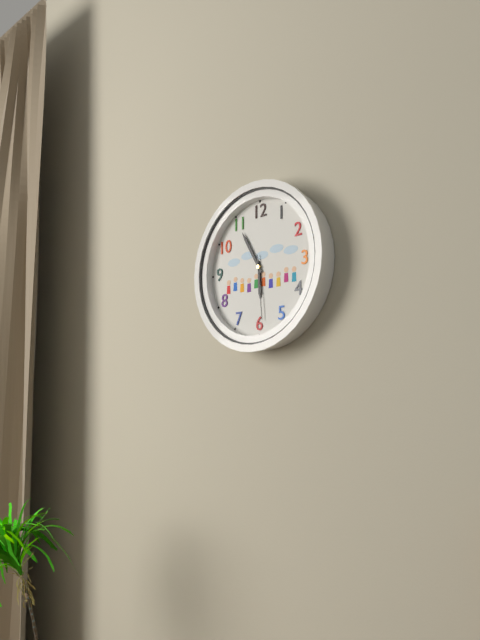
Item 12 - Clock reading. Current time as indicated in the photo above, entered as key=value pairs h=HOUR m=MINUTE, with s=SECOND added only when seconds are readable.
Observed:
h=5 m=55 s=29
